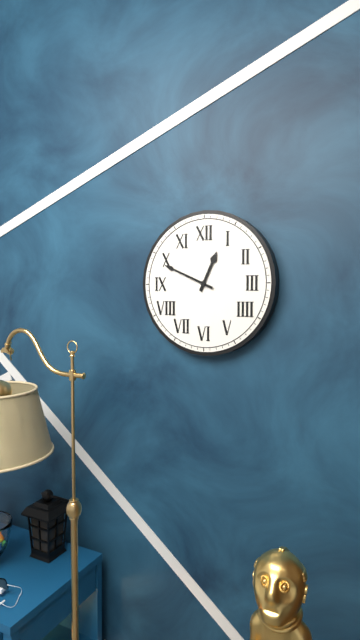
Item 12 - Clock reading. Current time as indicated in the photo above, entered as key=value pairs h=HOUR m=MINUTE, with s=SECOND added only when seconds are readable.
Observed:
h=12 m=49
